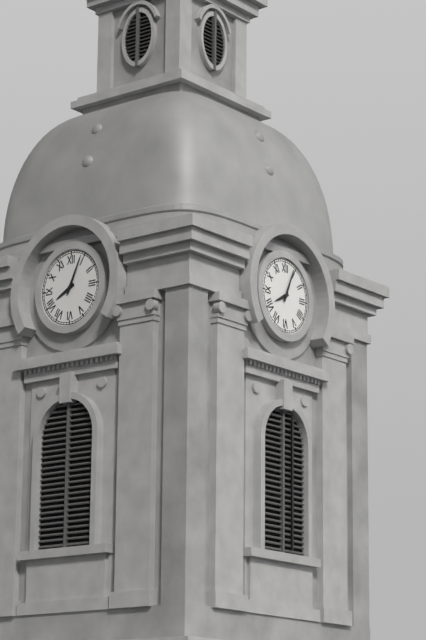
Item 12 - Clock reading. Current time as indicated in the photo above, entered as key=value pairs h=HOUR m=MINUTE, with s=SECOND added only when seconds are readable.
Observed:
h=8 m=4
